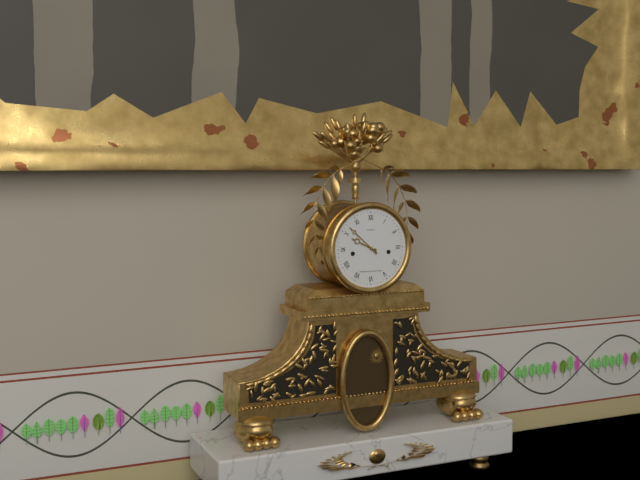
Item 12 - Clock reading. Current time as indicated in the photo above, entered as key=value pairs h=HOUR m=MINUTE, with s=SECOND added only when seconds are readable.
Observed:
h=9 m=52
